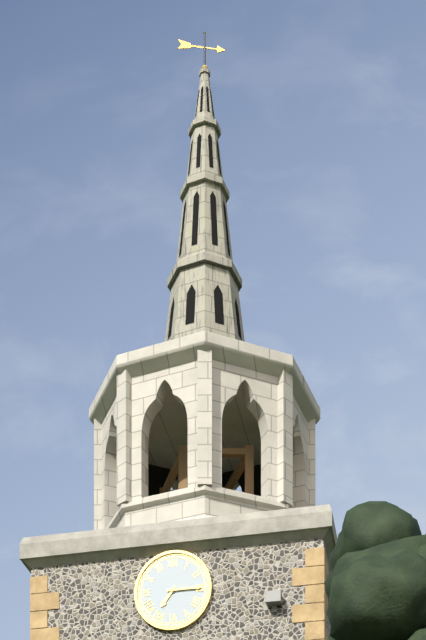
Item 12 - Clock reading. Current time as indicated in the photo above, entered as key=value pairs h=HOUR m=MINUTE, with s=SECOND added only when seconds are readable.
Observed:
h=7 m=15
